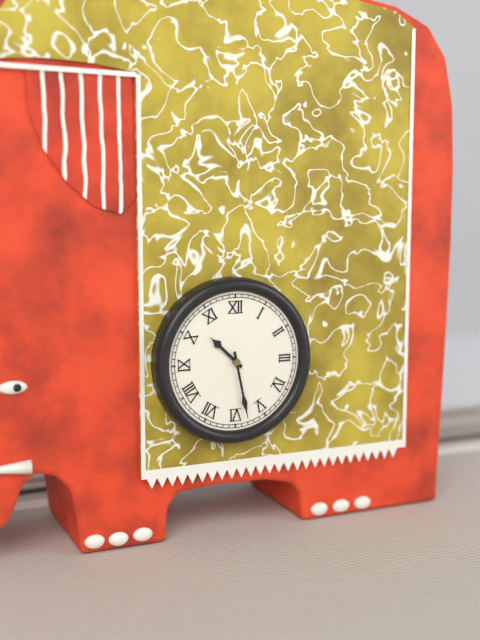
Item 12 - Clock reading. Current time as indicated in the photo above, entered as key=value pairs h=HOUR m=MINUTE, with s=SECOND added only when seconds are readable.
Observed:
h=10 m=28
